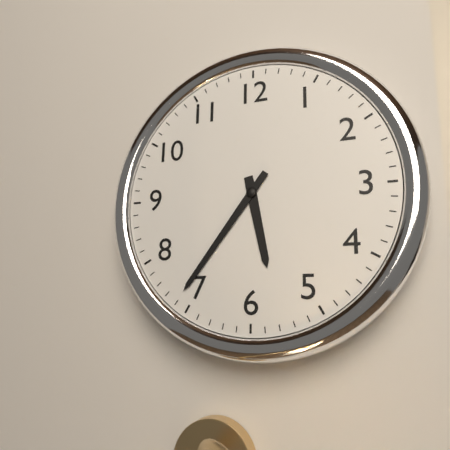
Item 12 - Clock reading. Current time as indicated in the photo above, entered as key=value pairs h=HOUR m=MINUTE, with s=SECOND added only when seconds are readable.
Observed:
h=5 m=36
